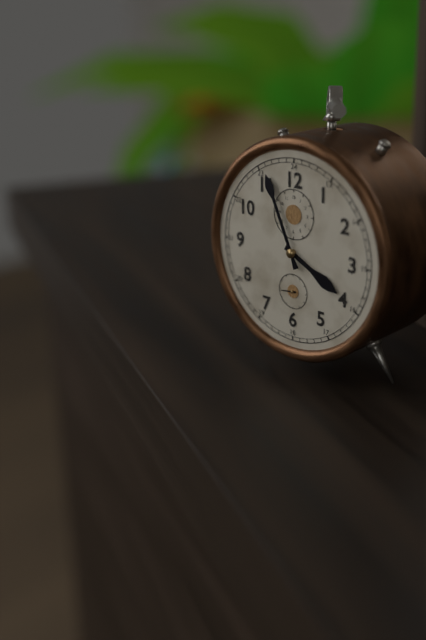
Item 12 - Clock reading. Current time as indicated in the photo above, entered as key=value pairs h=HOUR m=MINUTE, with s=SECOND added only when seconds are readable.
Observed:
h=3 m=56
